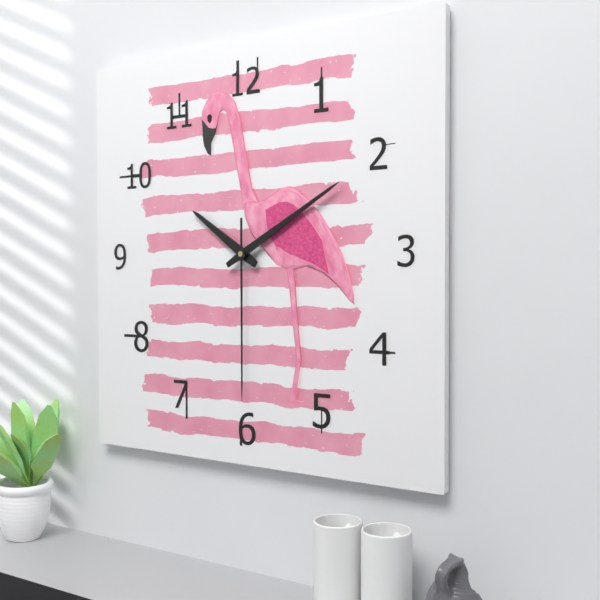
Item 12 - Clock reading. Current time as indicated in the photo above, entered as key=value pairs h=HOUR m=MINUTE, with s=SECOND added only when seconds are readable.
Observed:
h=10 m=10 s=30
